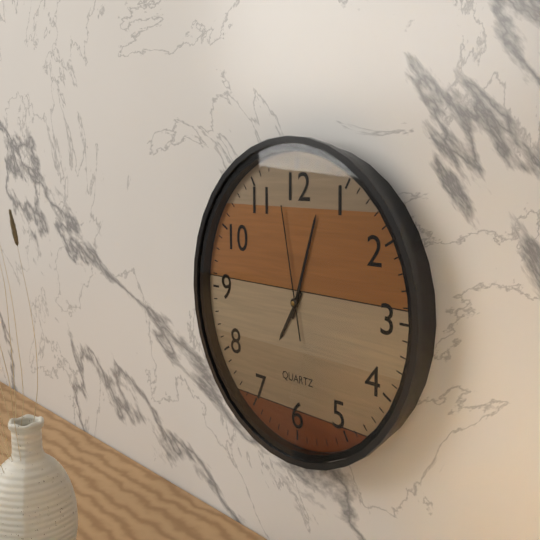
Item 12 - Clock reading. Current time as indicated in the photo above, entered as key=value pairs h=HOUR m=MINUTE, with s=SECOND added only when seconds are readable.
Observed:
h=7 m=3 s=58
